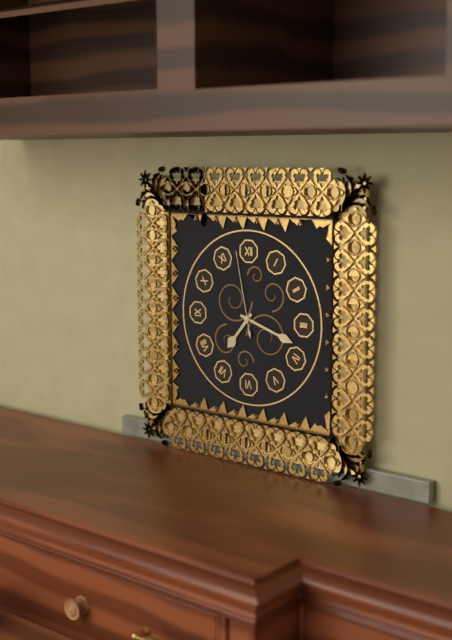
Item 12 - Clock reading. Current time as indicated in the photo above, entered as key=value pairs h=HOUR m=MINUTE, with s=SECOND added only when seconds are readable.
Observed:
h=7 m=18 s=58
